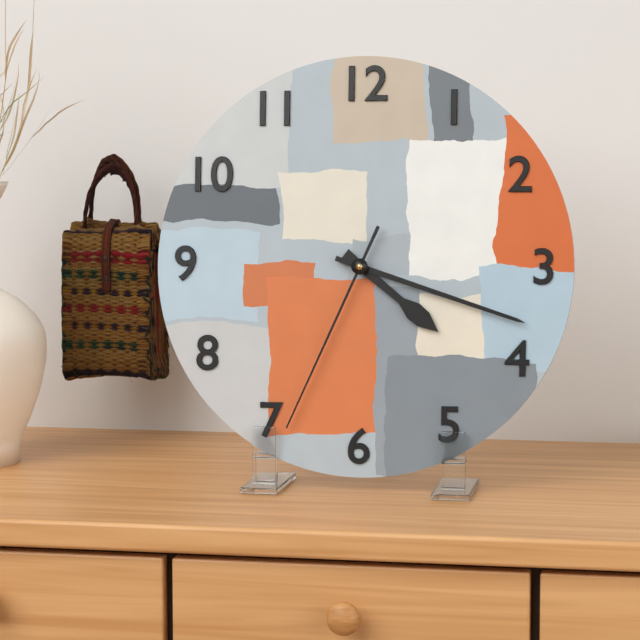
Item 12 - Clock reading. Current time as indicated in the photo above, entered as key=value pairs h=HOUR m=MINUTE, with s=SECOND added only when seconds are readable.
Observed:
h=4 m=18 s=34
